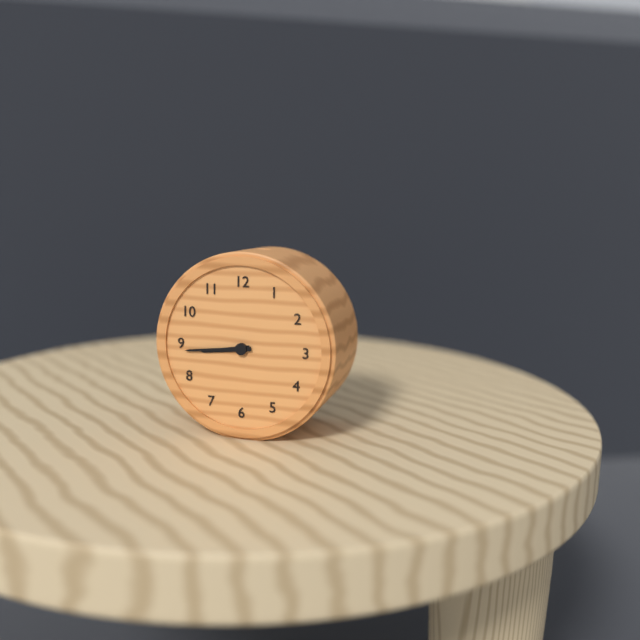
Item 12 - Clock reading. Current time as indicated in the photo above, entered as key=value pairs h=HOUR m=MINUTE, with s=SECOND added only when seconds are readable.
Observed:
h=8 m=44
